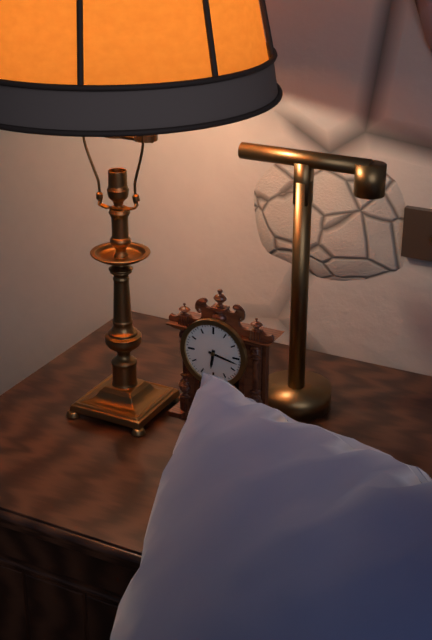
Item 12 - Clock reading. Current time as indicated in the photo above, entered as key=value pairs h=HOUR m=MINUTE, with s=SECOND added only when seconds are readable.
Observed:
h=6 m=17
